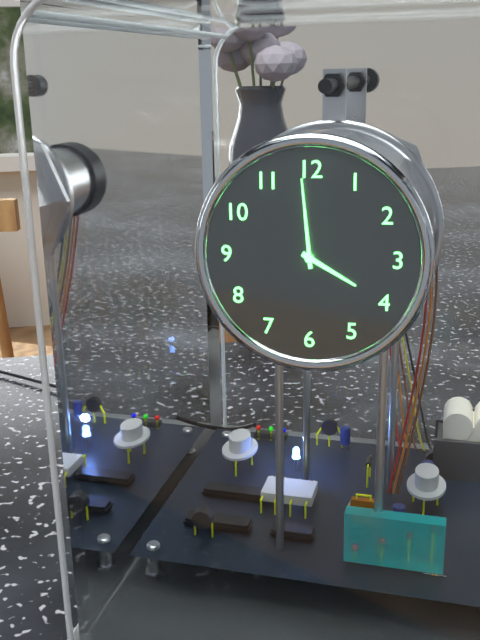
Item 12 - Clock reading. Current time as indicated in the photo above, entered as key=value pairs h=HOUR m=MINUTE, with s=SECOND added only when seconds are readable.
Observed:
h=3 m=59
